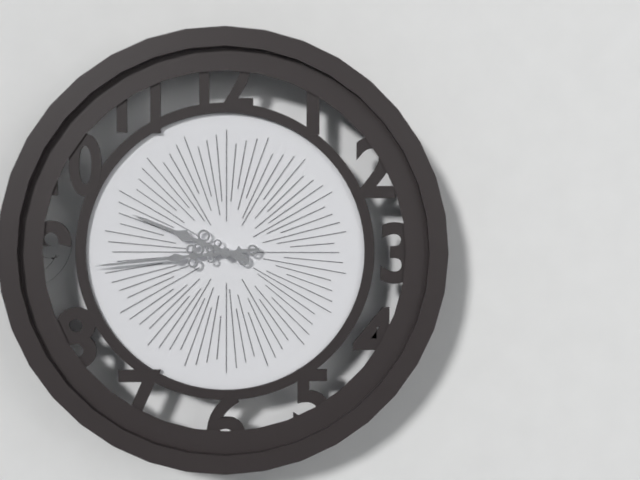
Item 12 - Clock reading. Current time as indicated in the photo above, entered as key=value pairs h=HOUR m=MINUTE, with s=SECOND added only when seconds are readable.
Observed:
h=9 m=44
